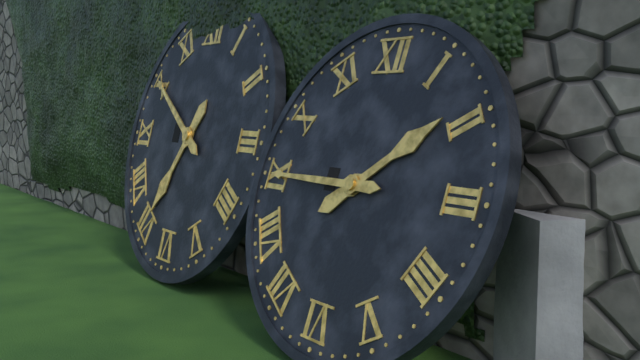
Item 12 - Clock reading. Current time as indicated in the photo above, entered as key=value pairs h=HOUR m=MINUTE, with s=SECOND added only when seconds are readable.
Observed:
h=1 m=45
